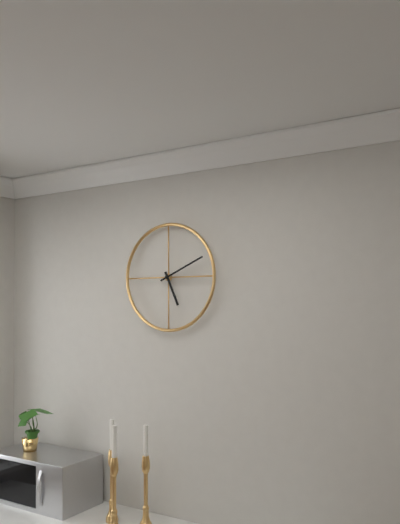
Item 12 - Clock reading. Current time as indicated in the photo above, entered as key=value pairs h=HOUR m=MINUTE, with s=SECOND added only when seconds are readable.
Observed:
h=5 m=11
